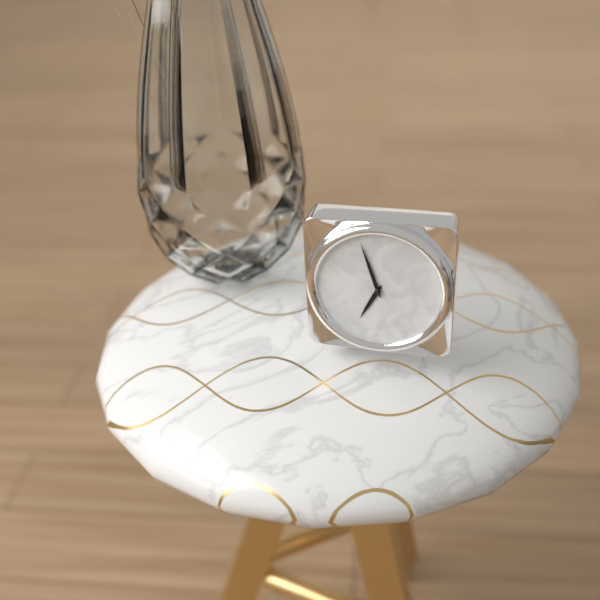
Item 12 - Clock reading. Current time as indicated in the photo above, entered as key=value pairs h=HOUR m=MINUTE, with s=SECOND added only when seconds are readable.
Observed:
h=6 m=57
